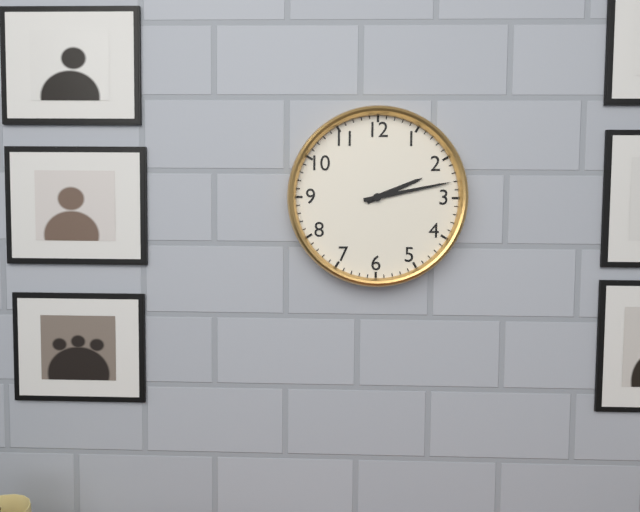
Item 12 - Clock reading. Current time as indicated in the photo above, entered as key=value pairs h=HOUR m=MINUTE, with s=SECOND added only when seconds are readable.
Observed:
h=2 m=13
